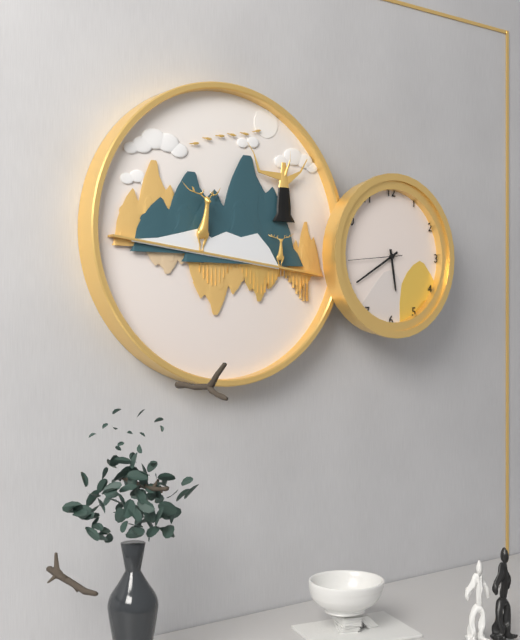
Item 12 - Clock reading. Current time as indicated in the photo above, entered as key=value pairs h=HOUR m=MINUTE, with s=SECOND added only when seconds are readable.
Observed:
h=5 m=40 s=44
